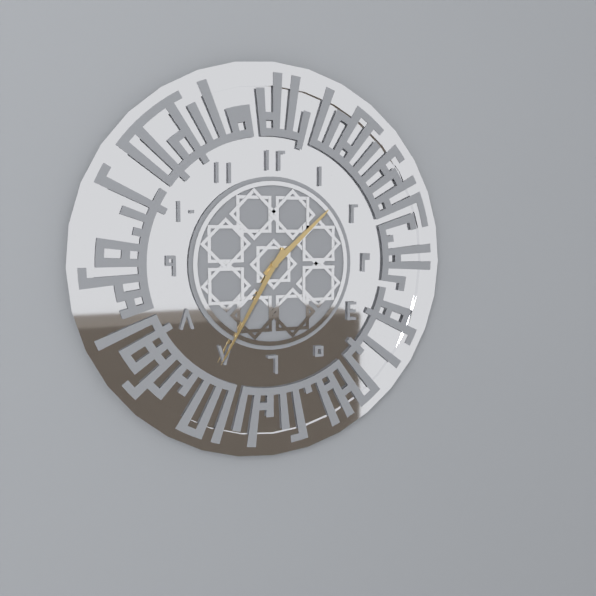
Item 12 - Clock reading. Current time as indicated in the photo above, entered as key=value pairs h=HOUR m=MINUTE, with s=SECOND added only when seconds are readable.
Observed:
h=1 m=35
